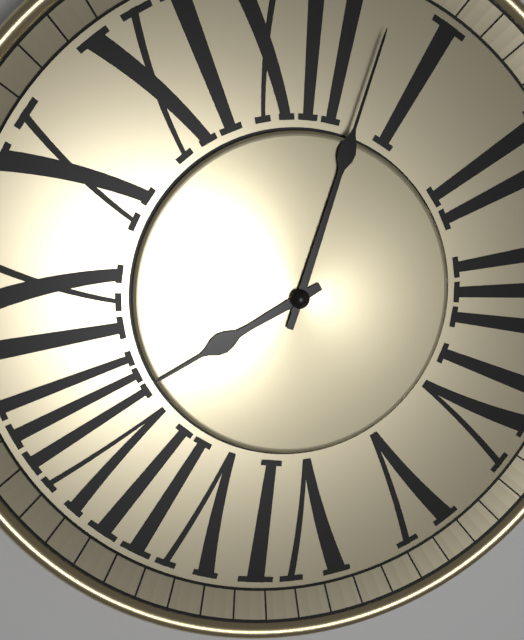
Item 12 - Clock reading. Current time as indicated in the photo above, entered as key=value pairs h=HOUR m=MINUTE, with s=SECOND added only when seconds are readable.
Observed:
h=8 m=3
